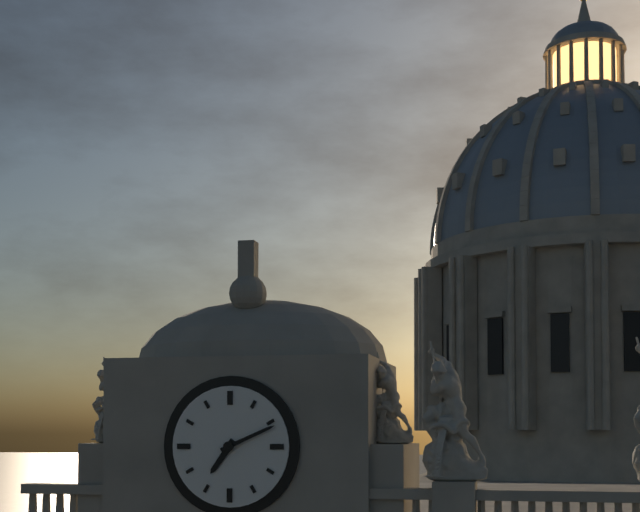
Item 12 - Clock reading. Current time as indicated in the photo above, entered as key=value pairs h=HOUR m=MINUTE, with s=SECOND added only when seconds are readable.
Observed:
h=7 m=11
